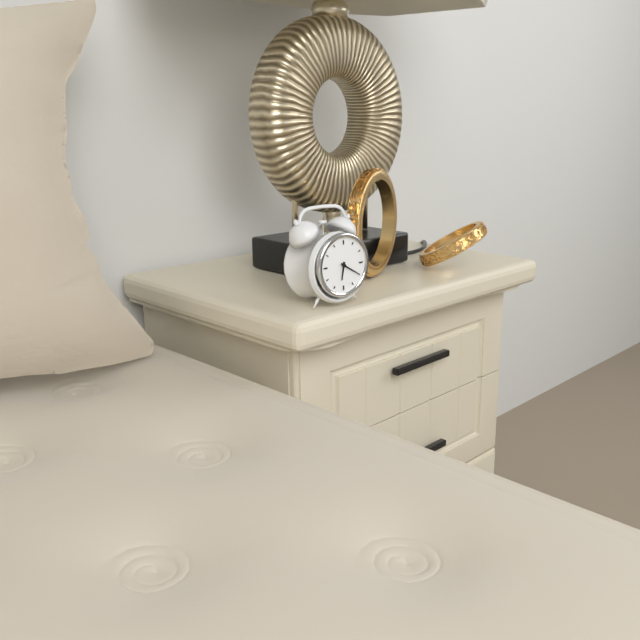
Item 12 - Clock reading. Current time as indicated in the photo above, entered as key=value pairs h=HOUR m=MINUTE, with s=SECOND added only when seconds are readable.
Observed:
h=6 m=20
